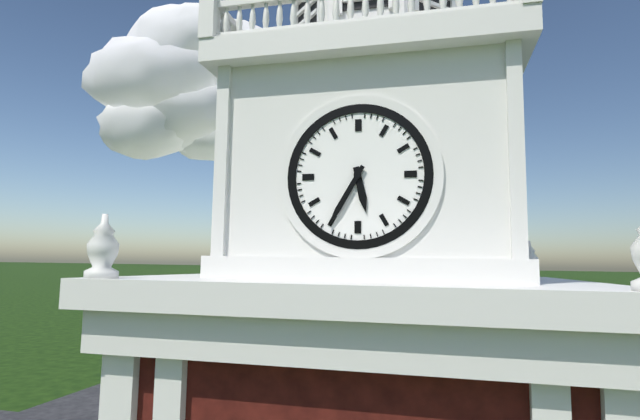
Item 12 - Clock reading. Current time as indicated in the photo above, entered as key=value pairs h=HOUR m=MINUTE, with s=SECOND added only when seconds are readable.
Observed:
h=5 m=35
